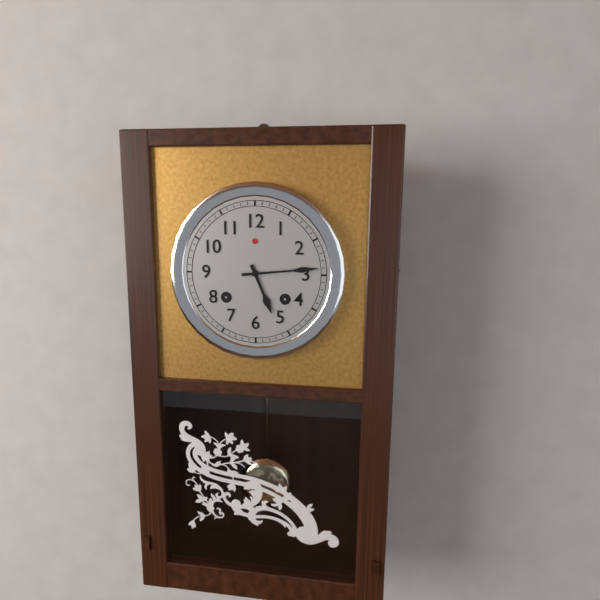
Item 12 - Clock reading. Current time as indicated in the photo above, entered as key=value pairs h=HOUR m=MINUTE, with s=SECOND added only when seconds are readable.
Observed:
h=5 m=14
